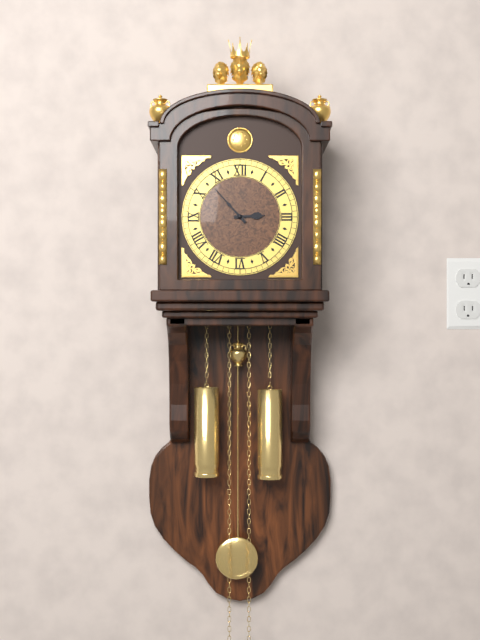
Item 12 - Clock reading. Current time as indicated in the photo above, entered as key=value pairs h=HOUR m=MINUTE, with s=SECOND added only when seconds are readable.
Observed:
h=2 m=53
